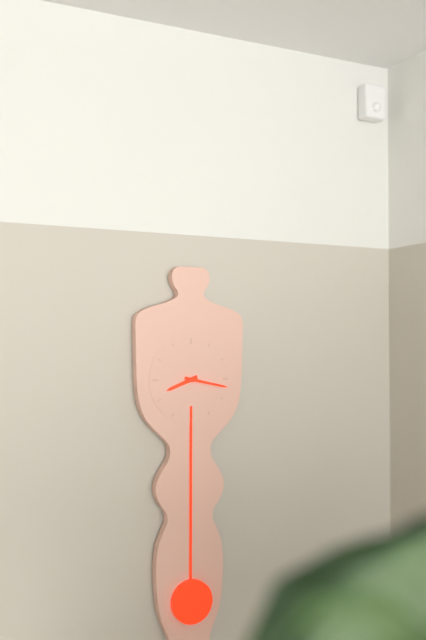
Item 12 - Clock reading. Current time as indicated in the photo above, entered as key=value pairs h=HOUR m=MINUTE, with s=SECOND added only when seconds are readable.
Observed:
h=8 m=17
